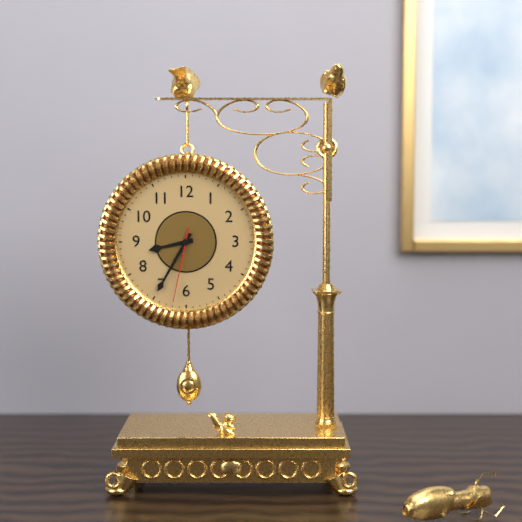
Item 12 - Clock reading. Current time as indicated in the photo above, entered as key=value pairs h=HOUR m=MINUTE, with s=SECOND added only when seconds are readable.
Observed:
h=8 m=35 s=32
